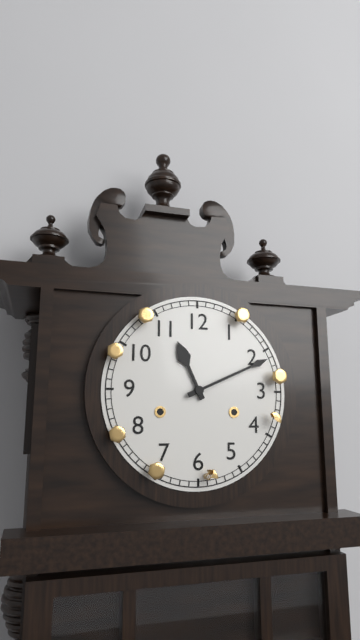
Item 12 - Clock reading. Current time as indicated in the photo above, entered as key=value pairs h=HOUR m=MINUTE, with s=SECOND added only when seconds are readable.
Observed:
h=11 m=11
